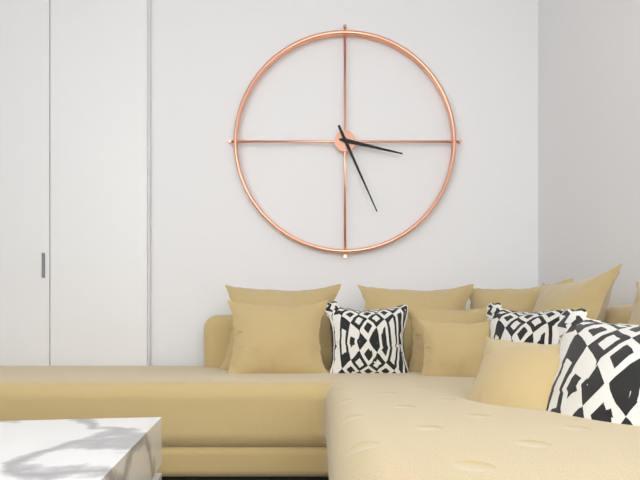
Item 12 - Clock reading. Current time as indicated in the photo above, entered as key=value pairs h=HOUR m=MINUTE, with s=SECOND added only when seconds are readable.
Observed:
h=3 m=26
